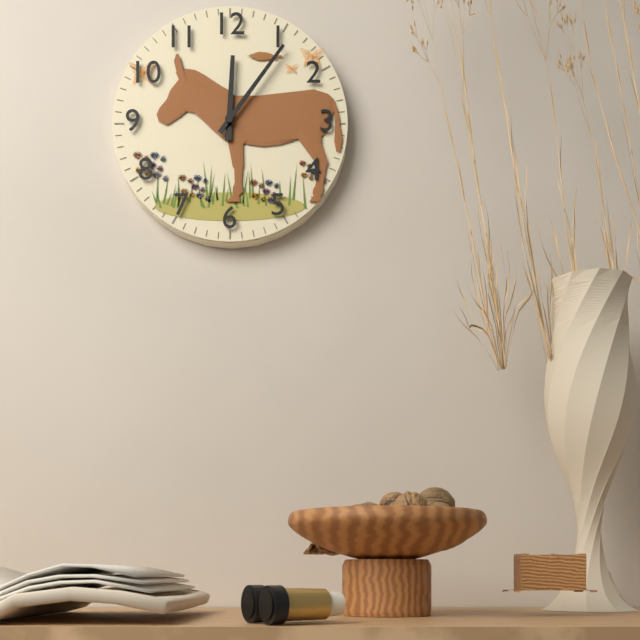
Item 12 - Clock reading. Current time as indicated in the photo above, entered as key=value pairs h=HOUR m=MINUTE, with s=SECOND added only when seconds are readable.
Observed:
h=12 m=6
